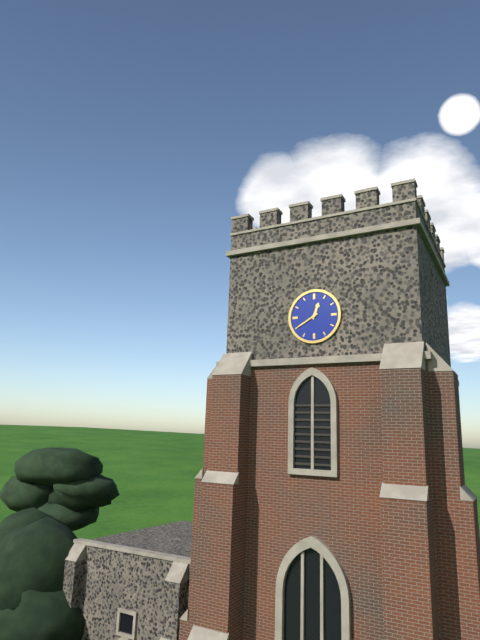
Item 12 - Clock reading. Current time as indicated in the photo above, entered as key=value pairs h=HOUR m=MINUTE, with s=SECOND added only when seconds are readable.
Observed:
h=12 m=40
